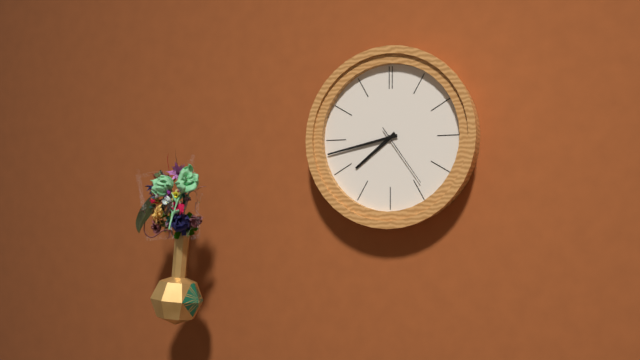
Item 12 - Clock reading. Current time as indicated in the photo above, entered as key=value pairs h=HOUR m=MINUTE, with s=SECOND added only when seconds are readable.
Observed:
h=7 m=43 s=24
